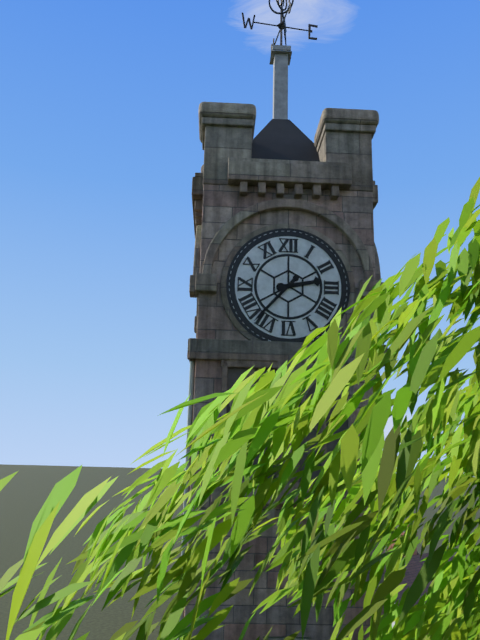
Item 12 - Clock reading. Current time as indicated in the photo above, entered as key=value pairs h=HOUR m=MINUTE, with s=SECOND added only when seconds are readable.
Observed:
h=2 m=37
